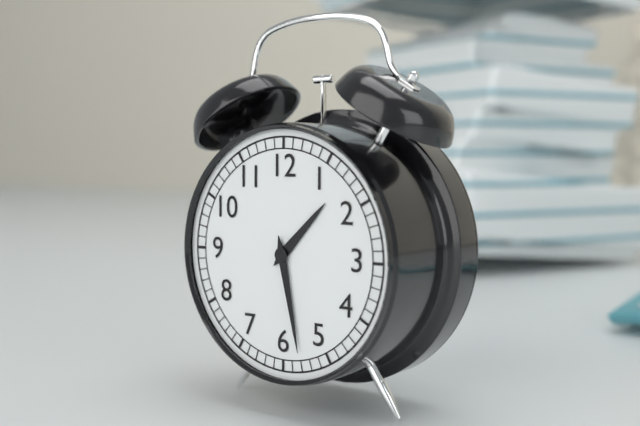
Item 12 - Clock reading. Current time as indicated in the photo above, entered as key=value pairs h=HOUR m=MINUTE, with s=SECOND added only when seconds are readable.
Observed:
h=1 m=28
